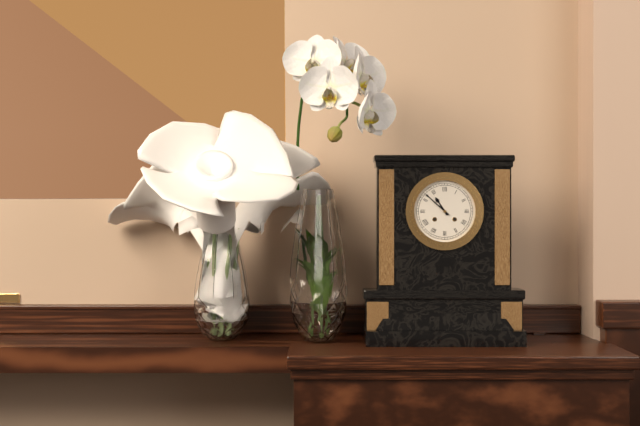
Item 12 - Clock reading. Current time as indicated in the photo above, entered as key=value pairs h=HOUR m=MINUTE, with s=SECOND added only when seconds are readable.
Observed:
h=10 m=52
